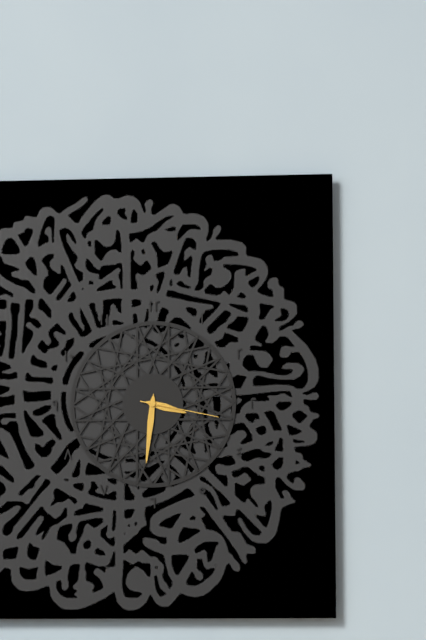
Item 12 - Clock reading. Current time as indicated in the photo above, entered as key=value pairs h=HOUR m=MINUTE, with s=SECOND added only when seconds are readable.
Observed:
h=3 m=31 s=17
